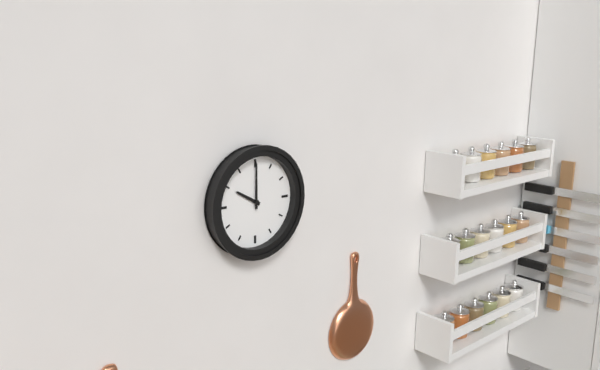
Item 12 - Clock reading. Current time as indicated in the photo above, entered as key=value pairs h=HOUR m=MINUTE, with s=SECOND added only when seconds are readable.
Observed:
h=10 m=0
